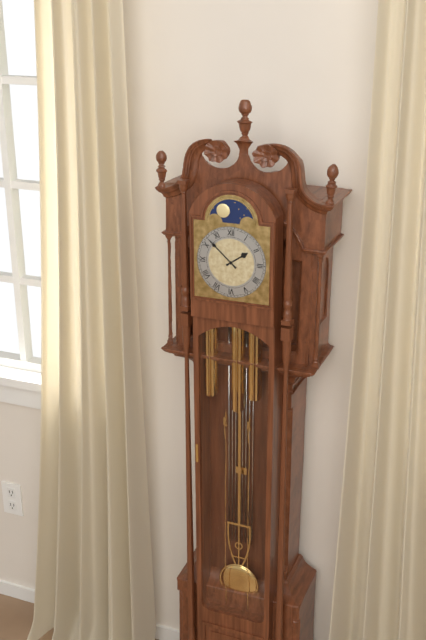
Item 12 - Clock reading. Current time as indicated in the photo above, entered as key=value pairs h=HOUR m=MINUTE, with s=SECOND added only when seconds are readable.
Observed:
h=1 m=52
